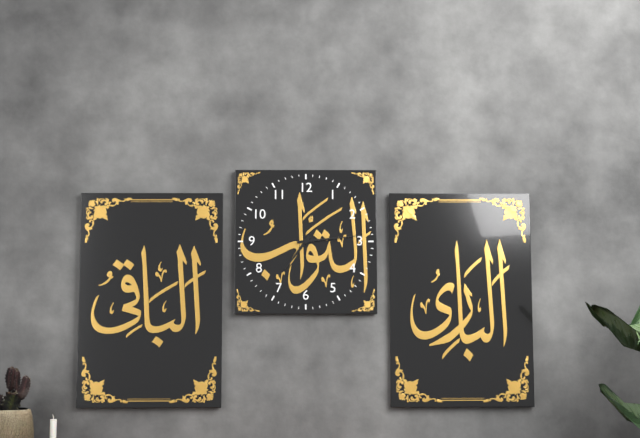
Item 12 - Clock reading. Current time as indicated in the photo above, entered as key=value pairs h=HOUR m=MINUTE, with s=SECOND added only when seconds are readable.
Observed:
h=7 m=14
